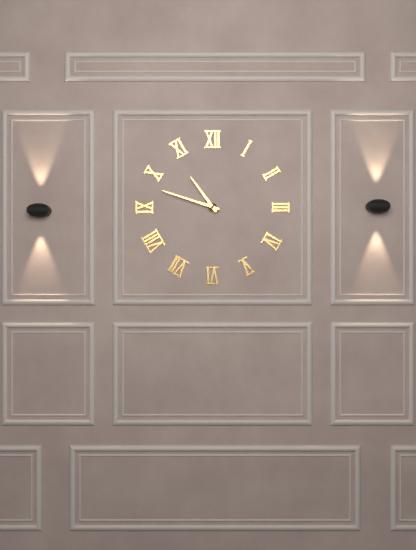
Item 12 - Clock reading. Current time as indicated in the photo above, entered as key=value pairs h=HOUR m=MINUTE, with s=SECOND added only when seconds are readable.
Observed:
h=10 m=48
